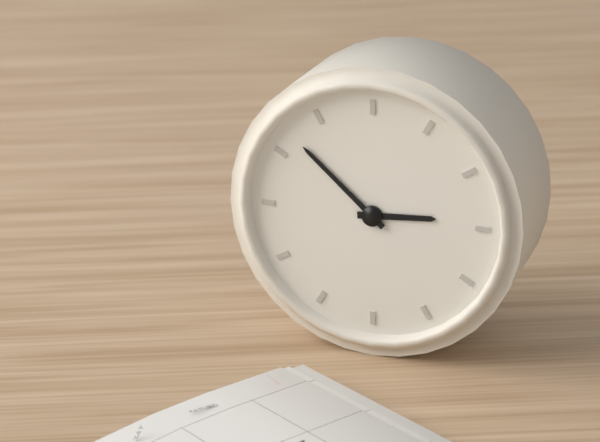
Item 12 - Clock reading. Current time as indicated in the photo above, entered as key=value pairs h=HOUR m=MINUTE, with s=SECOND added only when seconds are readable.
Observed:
h=2 m=52
